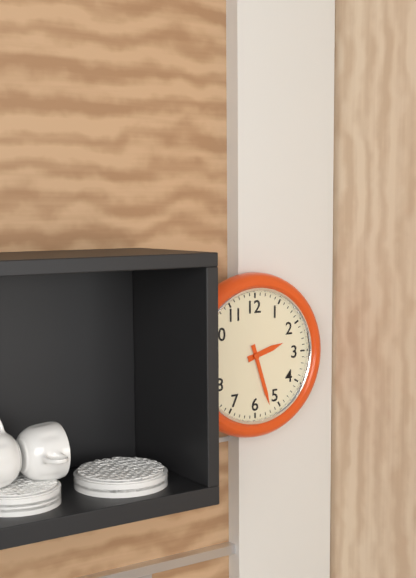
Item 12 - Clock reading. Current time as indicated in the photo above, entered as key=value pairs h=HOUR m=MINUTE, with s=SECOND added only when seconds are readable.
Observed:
h=2 m=27
